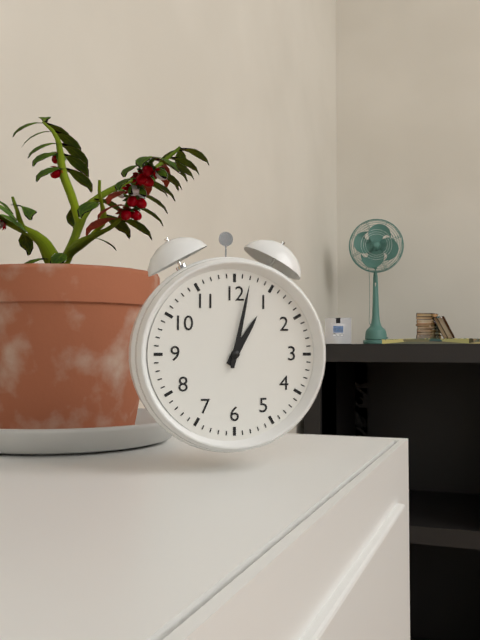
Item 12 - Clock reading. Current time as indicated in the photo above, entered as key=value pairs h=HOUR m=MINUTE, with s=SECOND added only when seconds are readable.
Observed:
h=1 m=2
